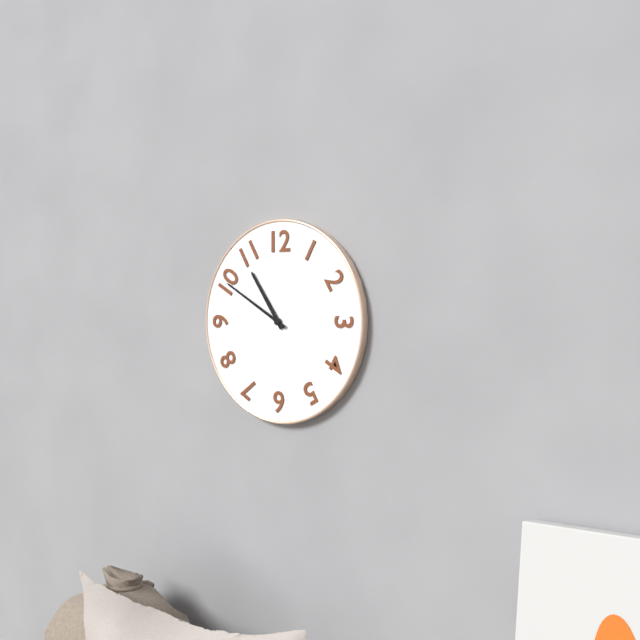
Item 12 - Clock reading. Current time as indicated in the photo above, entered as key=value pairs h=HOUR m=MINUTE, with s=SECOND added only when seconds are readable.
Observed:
h=10 m=50
